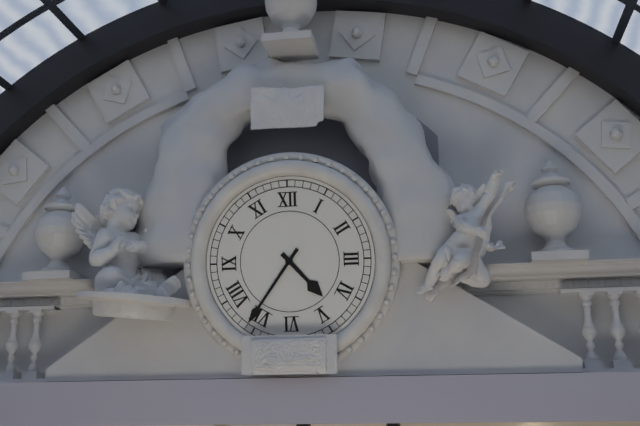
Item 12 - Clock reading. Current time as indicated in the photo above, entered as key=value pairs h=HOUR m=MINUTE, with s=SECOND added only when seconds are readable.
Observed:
h=4 m=36
